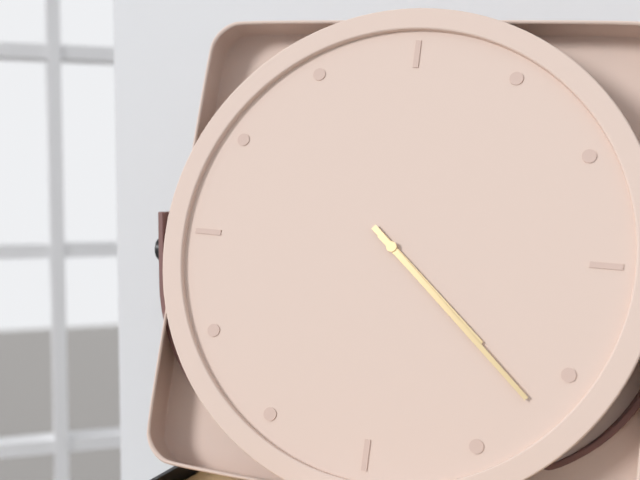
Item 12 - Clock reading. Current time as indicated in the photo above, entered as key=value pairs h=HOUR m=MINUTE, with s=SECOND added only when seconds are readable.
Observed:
h=4 m=22
